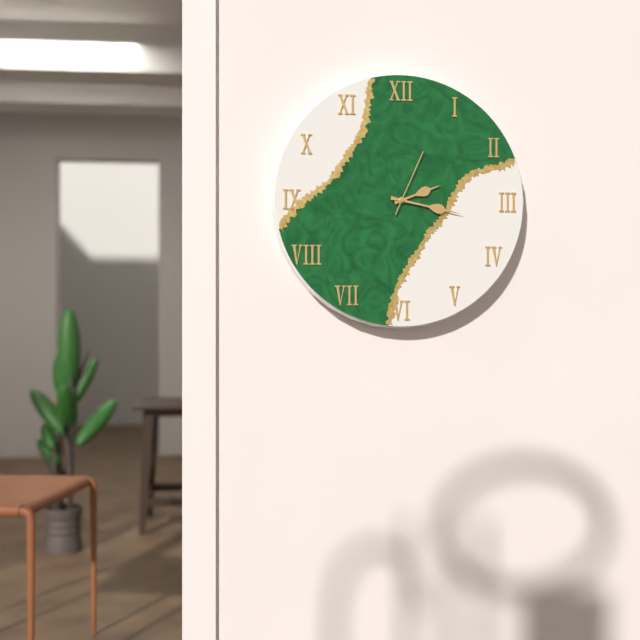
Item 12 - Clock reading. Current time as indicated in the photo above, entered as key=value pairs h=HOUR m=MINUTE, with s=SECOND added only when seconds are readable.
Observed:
h=2 m=17 s=4
